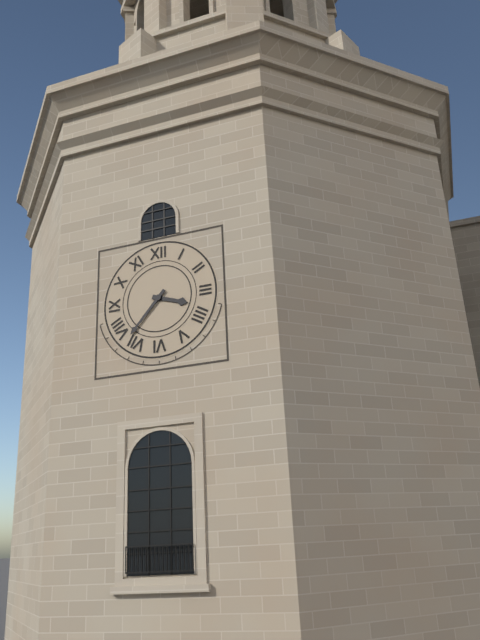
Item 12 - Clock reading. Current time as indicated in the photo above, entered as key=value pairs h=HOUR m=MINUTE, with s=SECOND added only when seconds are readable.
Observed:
h=3 m=37
